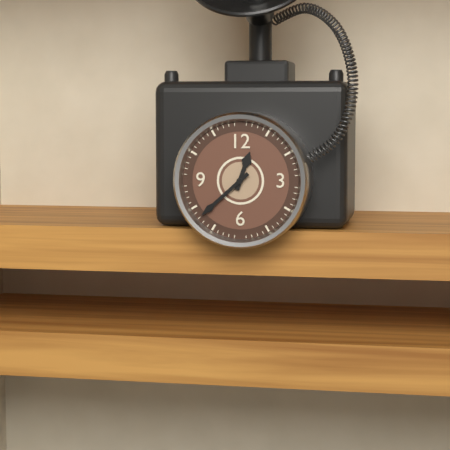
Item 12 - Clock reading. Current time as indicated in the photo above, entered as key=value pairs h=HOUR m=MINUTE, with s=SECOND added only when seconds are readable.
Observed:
h=12 m=38
